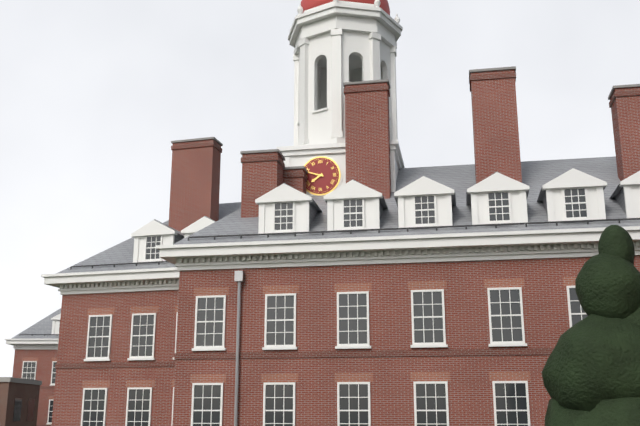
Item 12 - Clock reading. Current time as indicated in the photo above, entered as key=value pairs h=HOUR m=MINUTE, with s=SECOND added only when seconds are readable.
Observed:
h=7 m=48
